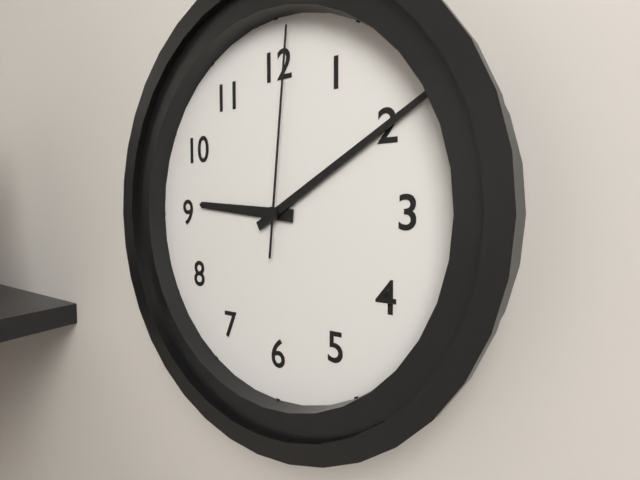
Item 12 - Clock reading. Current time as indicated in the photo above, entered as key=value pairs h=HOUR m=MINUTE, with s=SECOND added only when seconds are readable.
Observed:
h=9 m=10 s=1
